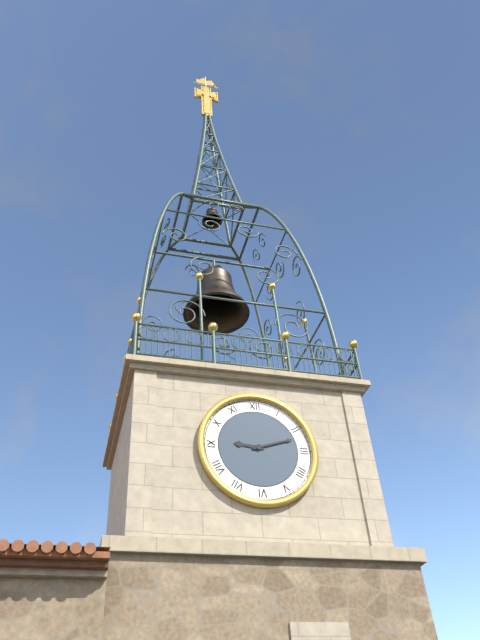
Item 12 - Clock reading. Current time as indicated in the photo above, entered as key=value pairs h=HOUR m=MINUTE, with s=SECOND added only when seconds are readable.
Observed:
h=9 m=12
